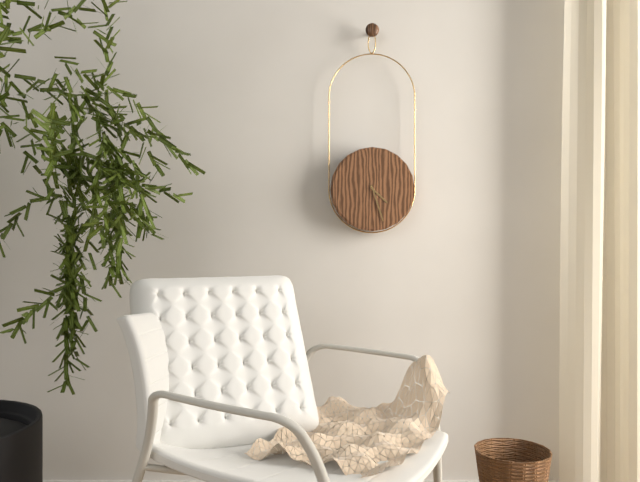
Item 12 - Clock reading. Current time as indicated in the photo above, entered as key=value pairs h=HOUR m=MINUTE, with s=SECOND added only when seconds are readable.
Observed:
h=4 m=27
